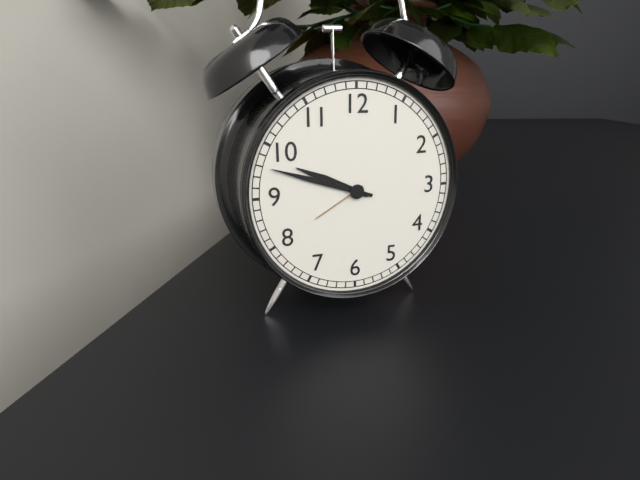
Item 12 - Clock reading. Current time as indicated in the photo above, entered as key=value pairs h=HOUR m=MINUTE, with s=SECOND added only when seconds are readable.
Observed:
h=9 m=48
